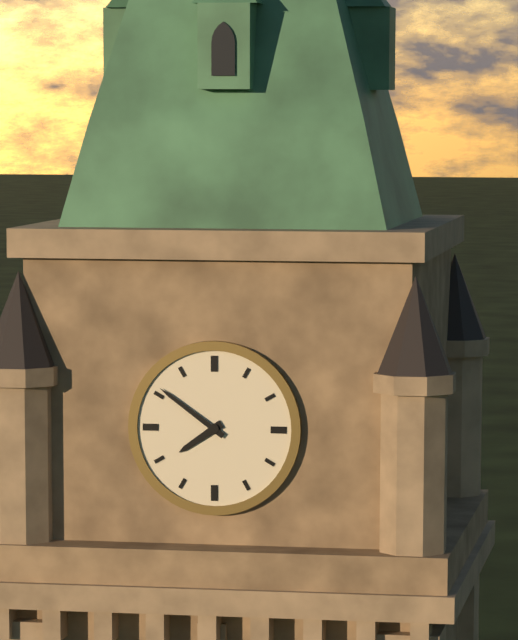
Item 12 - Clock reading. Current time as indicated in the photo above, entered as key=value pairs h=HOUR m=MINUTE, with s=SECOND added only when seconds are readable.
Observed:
h=7 m=51
